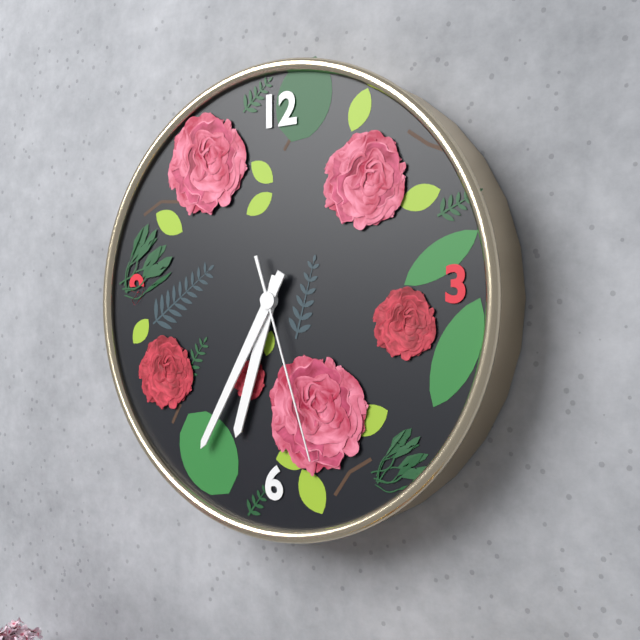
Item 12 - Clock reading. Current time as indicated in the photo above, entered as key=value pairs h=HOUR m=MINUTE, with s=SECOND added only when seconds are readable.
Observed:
h=6 m=35 s=27
